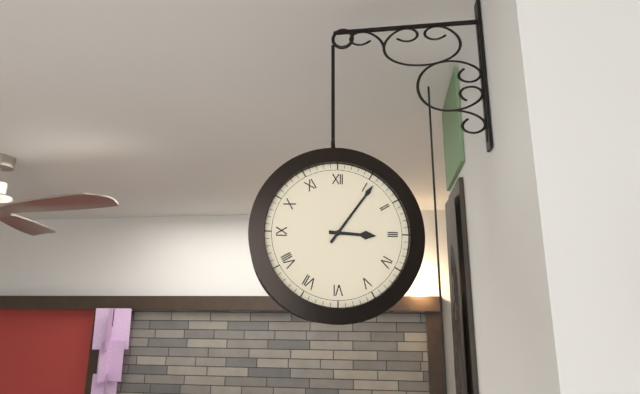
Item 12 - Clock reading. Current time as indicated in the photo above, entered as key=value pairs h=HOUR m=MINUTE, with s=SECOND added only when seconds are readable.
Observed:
h=3 m=6
